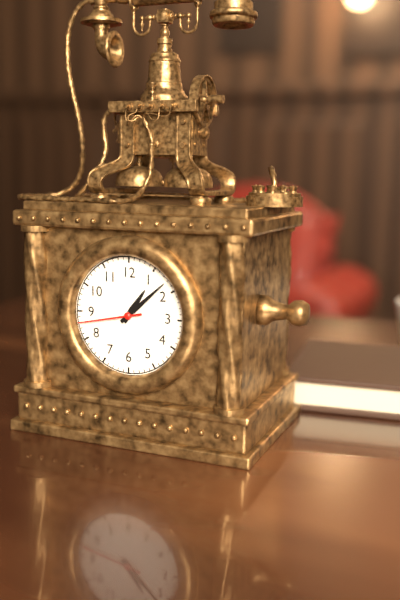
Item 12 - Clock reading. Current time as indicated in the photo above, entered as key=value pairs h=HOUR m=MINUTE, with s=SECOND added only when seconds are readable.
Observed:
h=1 m=8 s=43
